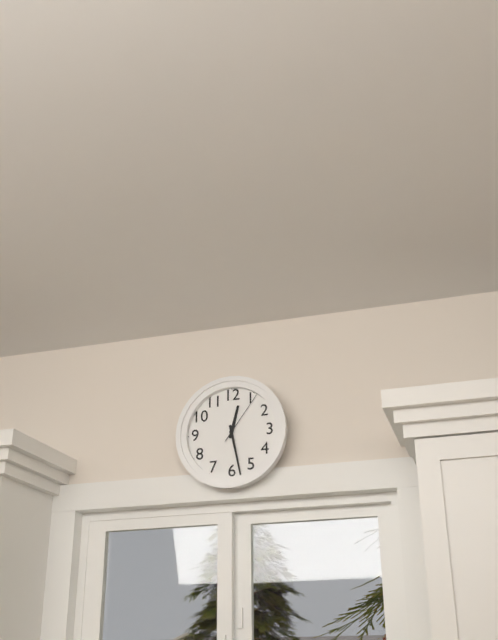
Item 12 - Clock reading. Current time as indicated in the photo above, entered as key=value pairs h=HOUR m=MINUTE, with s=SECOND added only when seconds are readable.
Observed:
h=12 m=28 s=6
